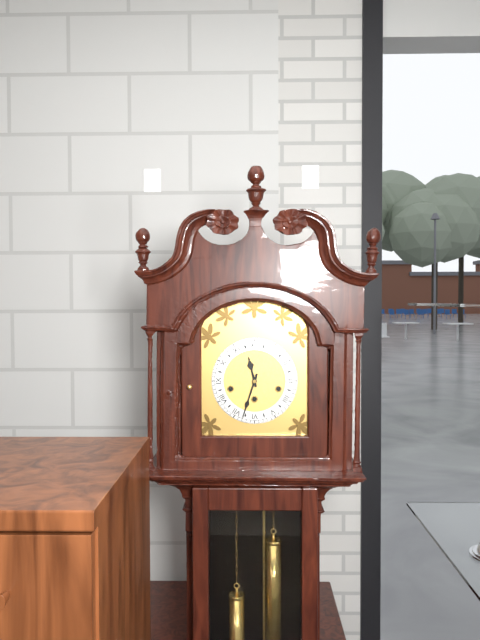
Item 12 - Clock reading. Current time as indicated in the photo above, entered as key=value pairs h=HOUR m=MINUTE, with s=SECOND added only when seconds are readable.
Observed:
h=11 m=33
